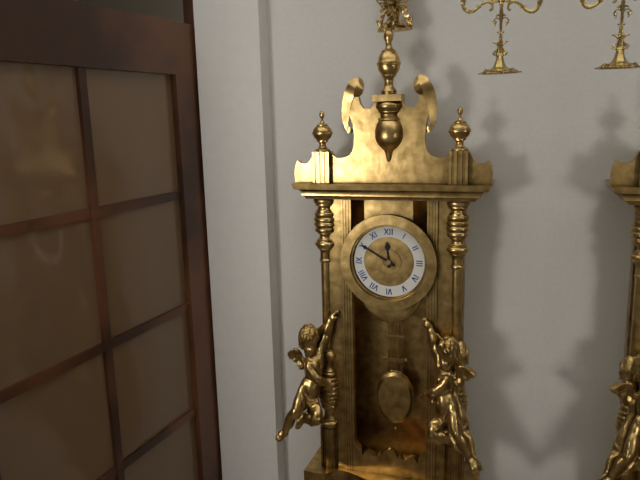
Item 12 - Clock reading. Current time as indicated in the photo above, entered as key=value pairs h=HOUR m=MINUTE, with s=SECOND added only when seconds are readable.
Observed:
h=11 m=50
